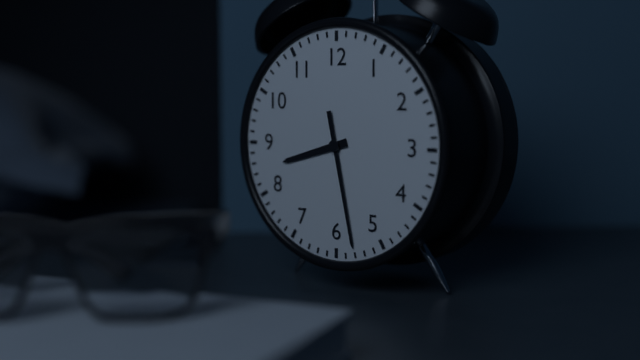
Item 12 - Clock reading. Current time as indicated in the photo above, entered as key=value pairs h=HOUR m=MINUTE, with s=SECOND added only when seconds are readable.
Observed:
h=8 m=28
